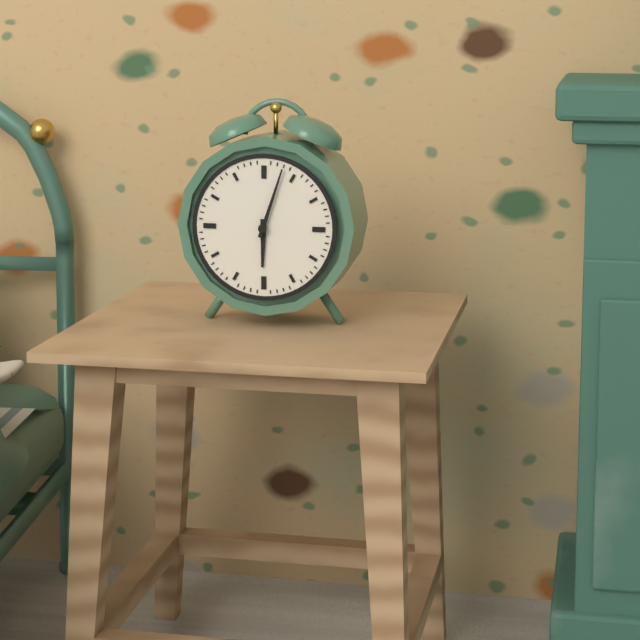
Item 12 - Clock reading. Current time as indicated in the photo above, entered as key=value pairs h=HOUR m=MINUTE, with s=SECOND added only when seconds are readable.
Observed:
h=6 m=3
